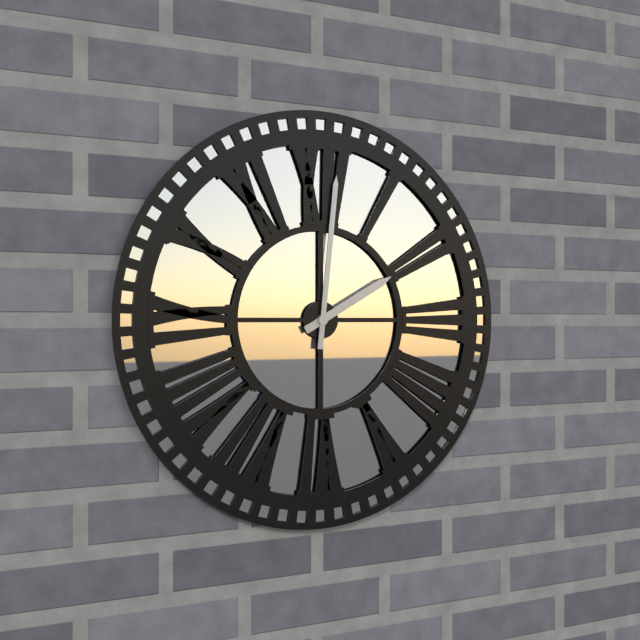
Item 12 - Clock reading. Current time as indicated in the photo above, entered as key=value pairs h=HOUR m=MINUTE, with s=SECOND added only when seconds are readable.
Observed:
h=2 m=1
